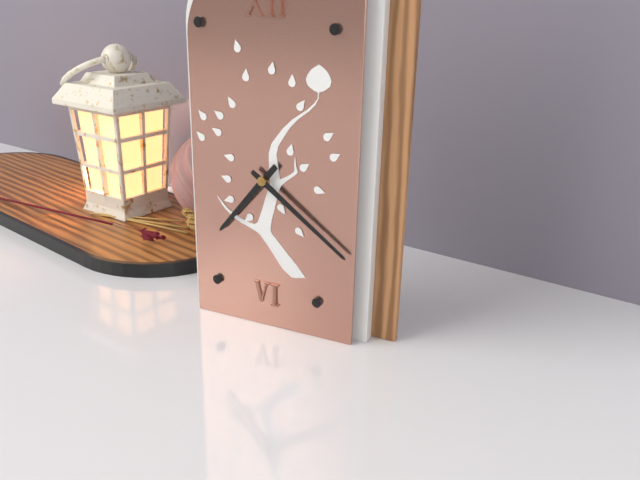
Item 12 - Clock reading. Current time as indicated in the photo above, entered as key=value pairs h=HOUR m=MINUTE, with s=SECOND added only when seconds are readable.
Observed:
h=7 m=21
